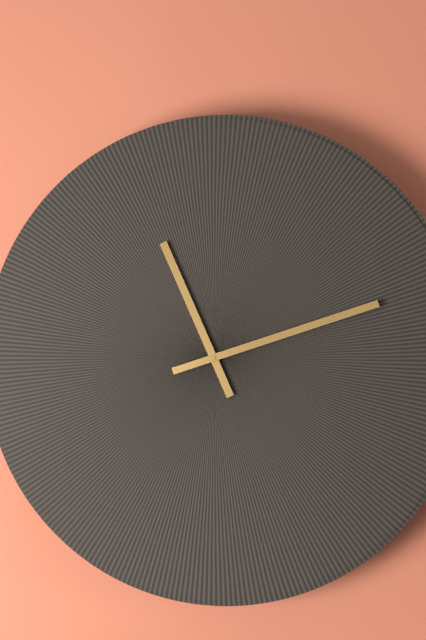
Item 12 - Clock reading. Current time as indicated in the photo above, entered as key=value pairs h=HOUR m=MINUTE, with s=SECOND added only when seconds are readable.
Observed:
h=11 m=12
